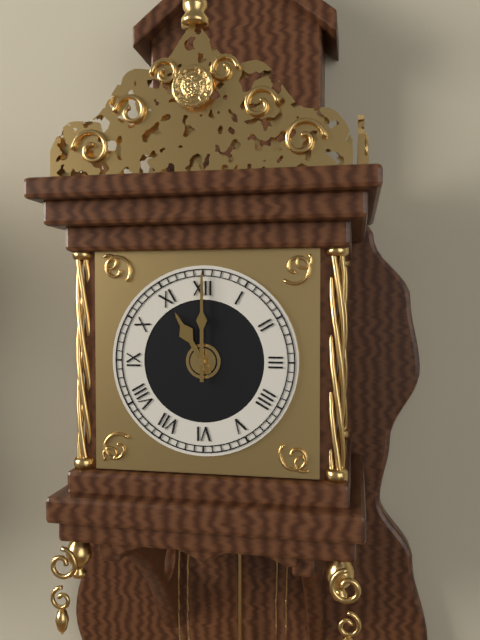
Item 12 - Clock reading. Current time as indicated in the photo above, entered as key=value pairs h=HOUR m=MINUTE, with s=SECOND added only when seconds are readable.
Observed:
h=11 m=0
